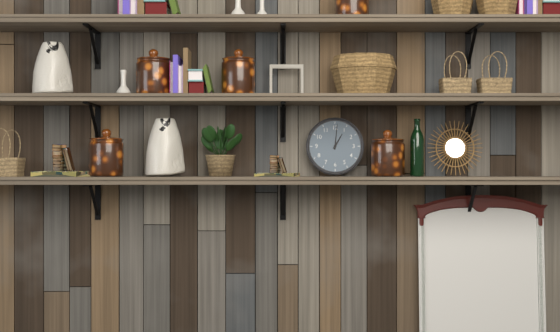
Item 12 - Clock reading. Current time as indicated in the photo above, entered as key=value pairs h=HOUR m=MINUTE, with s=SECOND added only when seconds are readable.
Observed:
h=1 m=1
